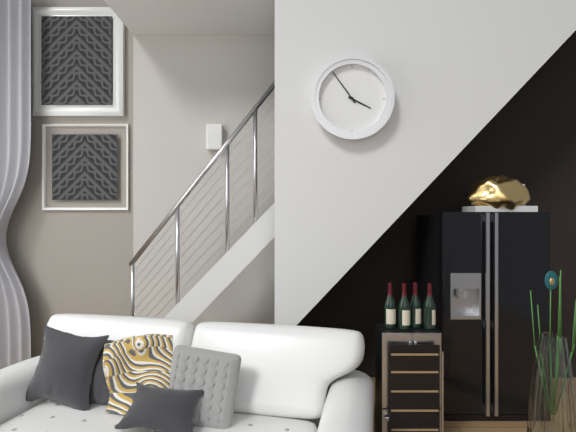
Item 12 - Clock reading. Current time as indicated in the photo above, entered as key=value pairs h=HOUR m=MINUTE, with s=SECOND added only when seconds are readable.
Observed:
h=3 m=54
